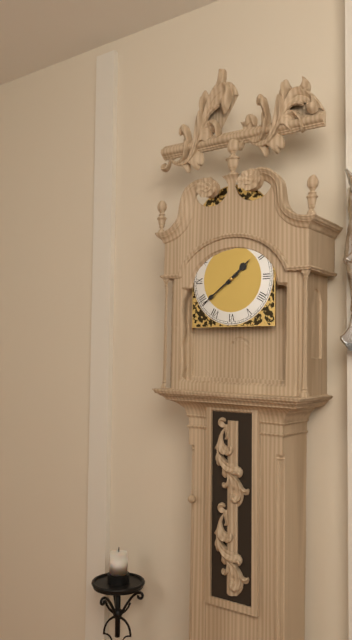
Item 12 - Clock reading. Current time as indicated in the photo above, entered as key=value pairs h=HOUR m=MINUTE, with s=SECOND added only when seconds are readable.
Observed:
h=1 m=39
